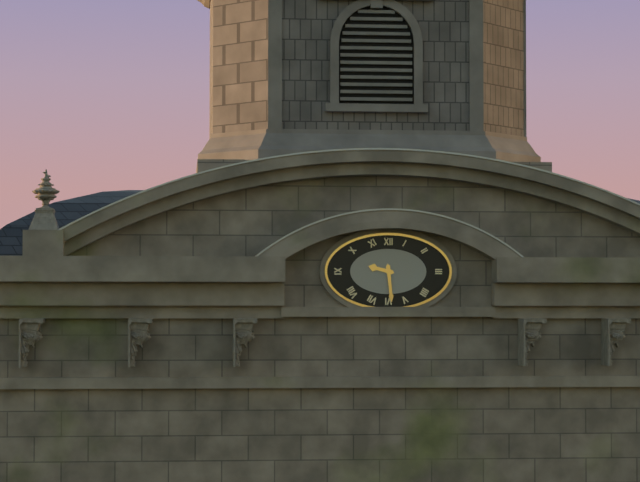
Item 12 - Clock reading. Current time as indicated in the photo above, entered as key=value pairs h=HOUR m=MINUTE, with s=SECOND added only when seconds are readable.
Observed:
h=9 m=29
